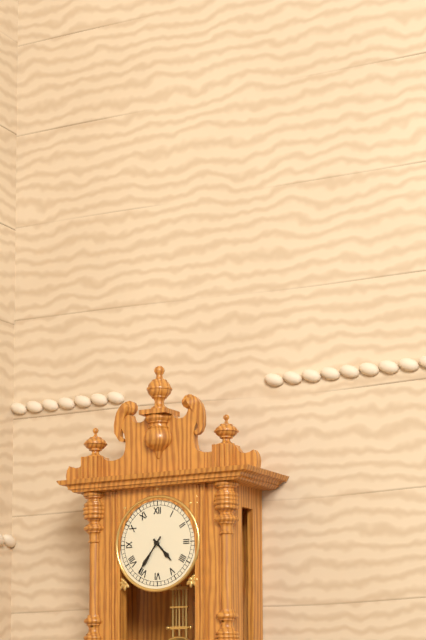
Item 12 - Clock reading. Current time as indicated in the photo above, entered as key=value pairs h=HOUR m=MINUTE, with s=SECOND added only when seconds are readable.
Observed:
h=4 m=36
